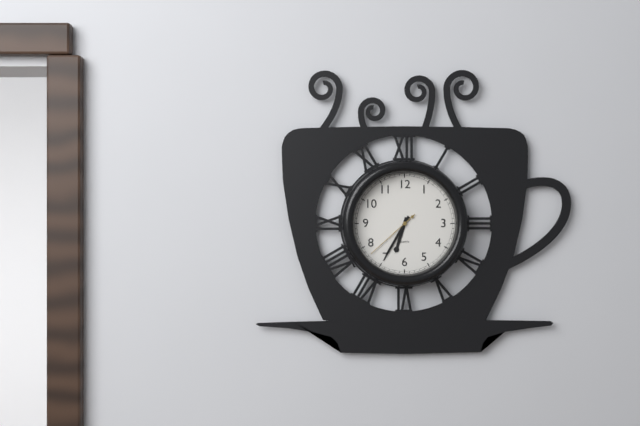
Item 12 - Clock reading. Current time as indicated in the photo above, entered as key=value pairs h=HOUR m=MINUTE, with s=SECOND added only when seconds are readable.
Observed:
h=6 m=35 s=38
